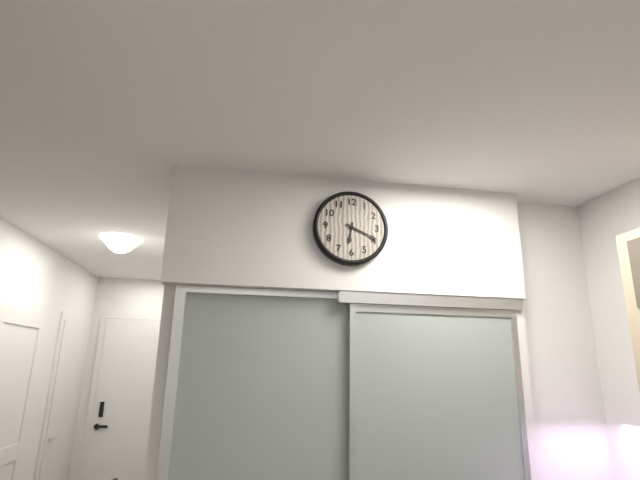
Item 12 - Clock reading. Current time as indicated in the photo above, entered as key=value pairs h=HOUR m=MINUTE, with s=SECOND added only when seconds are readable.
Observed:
h=6 m=19
